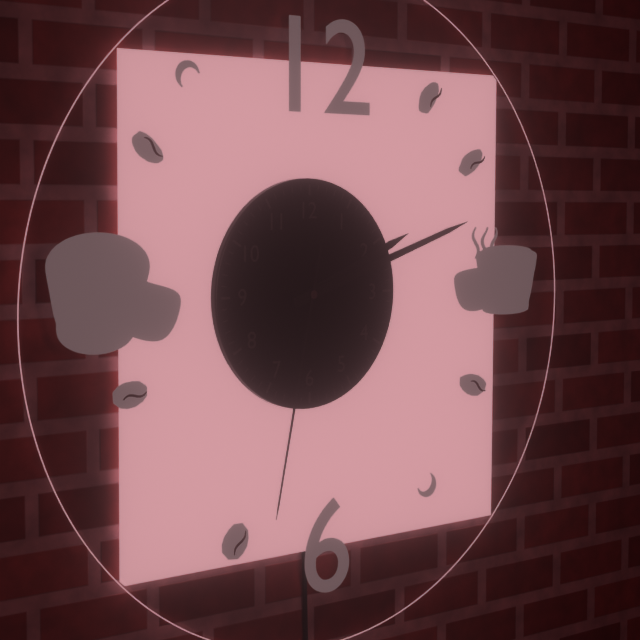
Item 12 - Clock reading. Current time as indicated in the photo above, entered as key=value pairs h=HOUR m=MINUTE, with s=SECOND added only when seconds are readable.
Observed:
h=2 m=12 s=32
